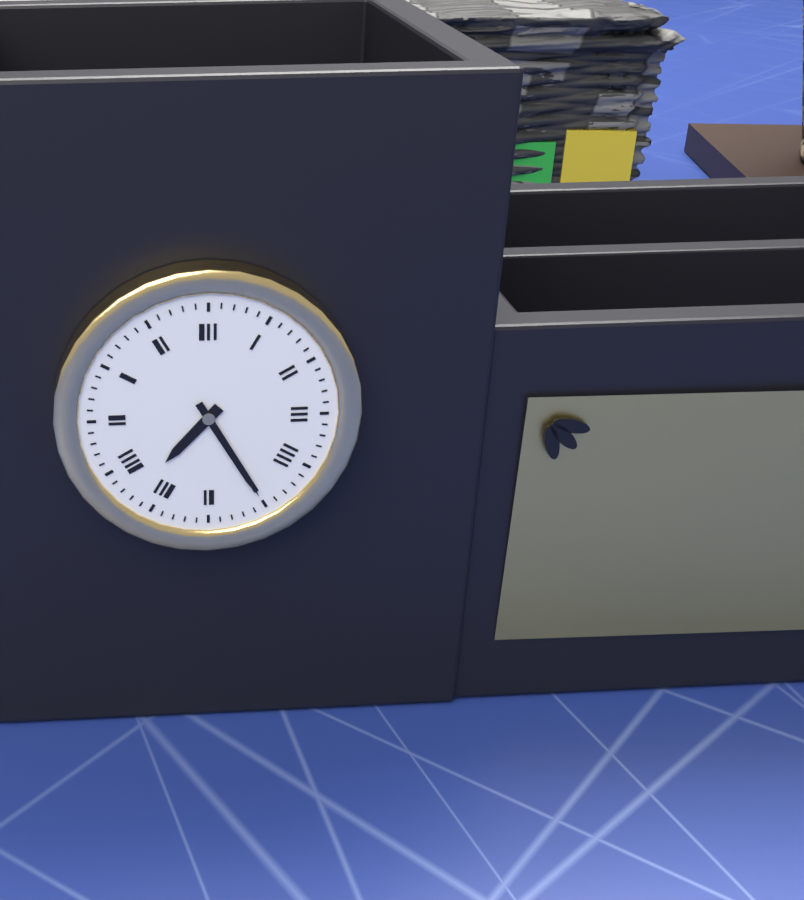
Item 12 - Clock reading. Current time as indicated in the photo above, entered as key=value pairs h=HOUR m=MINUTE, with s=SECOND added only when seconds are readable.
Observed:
h=7 m=25
